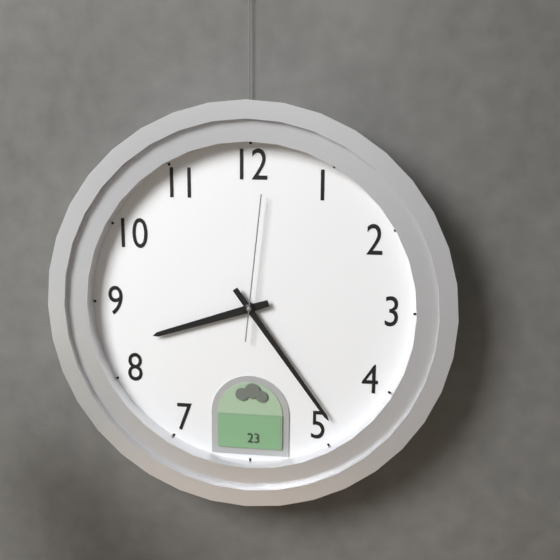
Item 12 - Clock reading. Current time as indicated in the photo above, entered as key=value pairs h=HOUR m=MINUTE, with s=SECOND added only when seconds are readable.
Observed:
h=8 m=24 s=1
